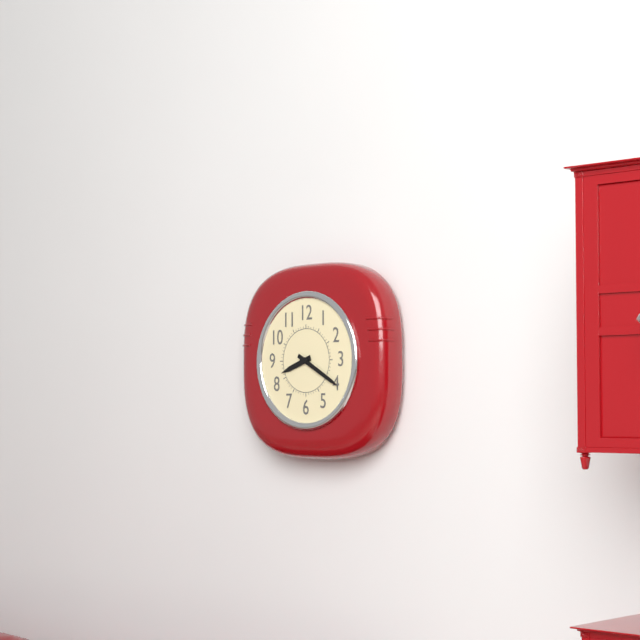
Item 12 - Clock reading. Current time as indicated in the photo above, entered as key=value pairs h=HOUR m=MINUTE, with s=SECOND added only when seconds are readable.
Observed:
h=8 m=20
